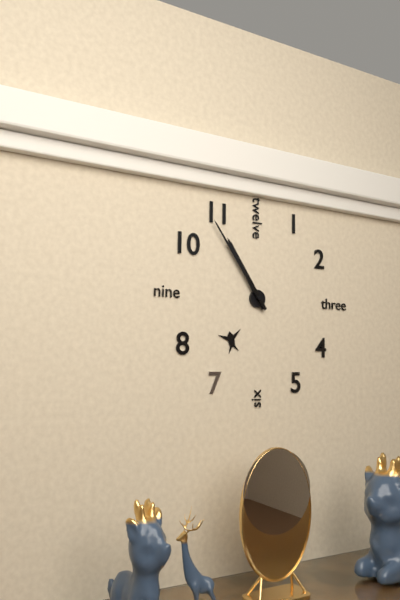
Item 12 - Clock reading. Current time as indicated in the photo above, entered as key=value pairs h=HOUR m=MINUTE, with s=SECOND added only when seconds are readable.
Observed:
h=10 m=54
